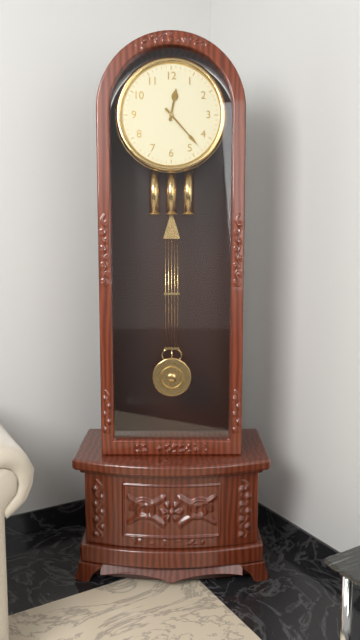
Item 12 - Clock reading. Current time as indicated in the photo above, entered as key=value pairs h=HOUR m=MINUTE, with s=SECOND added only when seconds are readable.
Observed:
h=12 m=23
